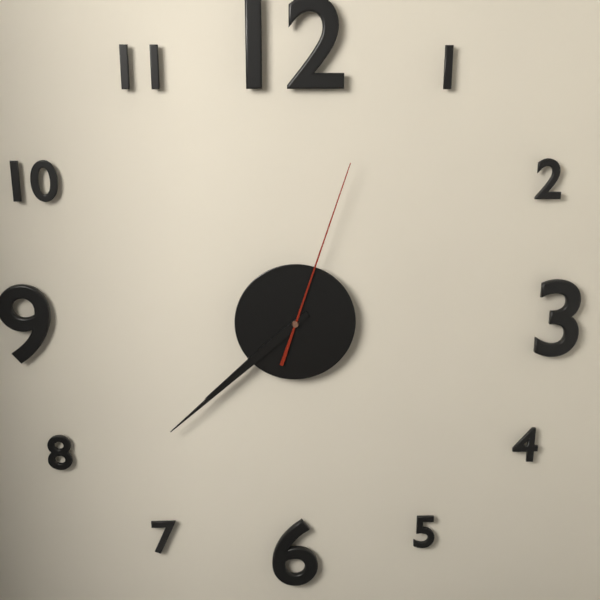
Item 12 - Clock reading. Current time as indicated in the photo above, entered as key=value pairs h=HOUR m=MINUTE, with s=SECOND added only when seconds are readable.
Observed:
h=7 m=38 s=3
